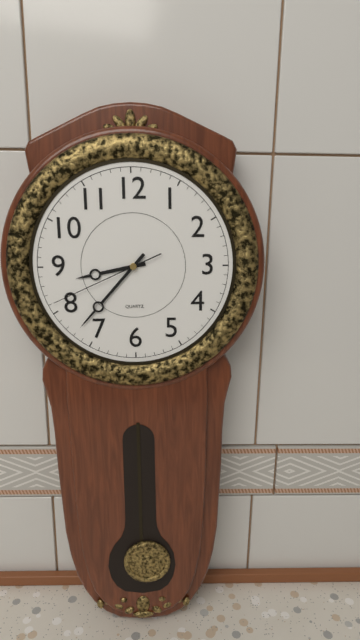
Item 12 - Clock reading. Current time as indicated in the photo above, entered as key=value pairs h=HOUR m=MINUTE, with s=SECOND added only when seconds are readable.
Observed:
h=8 m=37 s=41
